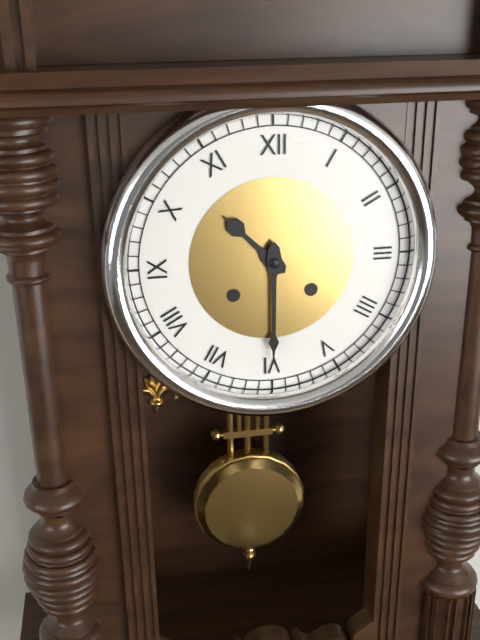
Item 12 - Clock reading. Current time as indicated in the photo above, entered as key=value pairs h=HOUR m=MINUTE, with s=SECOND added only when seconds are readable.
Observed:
h=10 m=30
